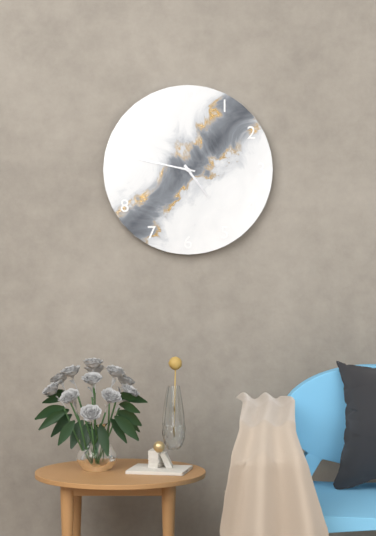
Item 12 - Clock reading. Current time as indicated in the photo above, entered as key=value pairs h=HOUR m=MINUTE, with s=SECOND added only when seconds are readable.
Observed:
h=4 m=47
